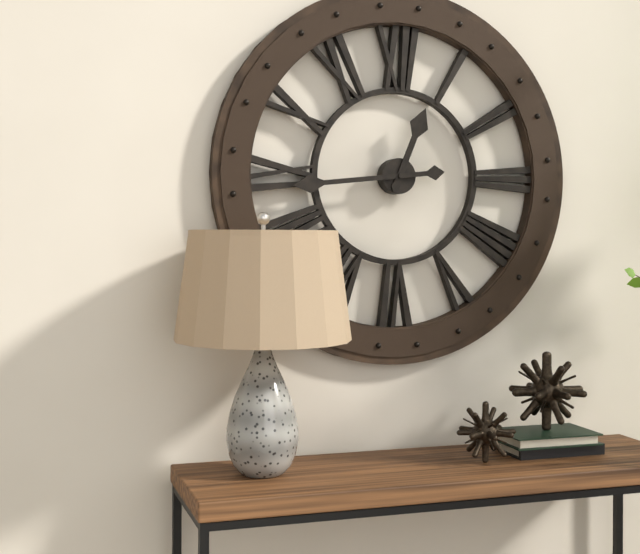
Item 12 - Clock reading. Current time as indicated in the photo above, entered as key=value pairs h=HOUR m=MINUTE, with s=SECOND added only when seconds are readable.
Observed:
h=12 m=44
